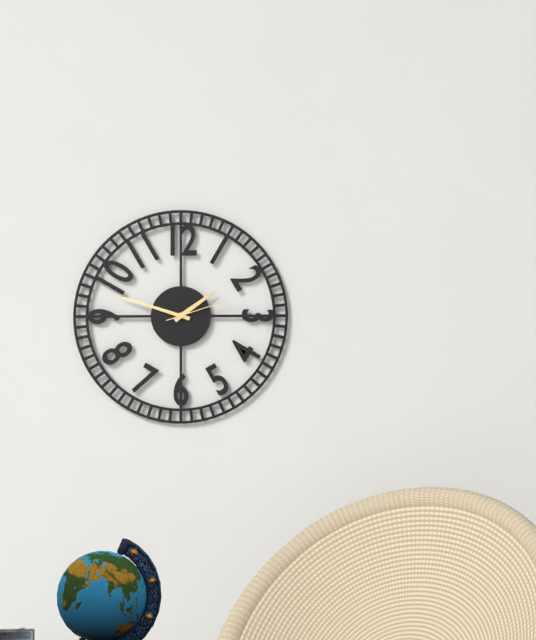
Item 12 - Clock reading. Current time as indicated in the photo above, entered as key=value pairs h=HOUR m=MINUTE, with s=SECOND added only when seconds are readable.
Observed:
h=1 m=48 s=12
